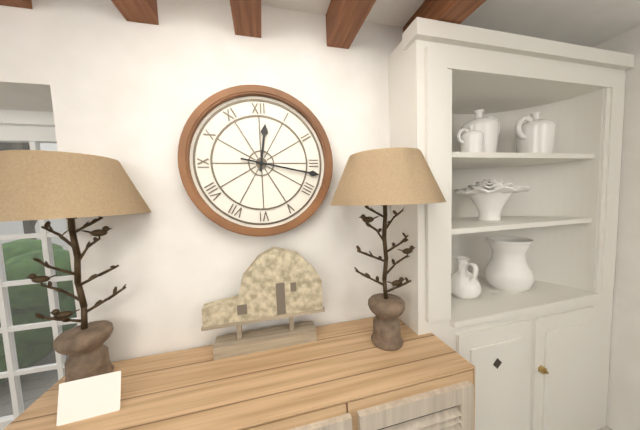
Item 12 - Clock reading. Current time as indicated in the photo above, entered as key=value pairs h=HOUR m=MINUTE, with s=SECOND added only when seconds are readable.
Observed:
h=12 m=17
